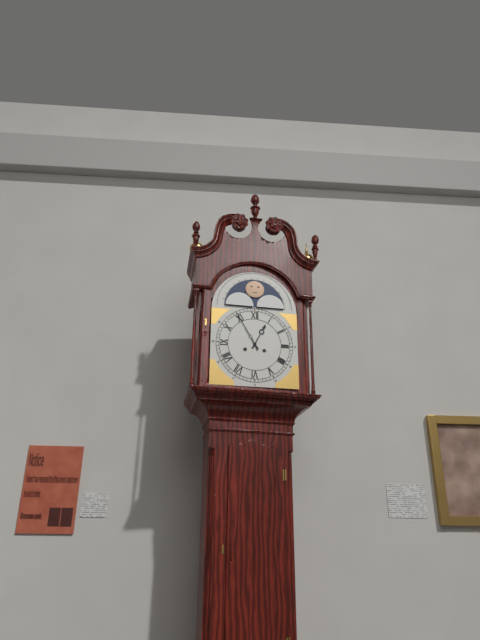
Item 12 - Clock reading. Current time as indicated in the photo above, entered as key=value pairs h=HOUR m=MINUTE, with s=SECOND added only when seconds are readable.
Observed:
h=12 m=55
